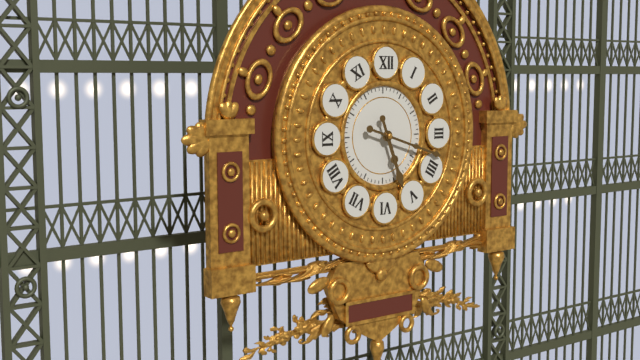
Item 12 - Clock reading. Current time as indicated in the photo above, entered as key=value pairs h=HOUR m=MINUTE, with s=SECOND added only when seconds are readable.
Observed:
h=5 m=18
